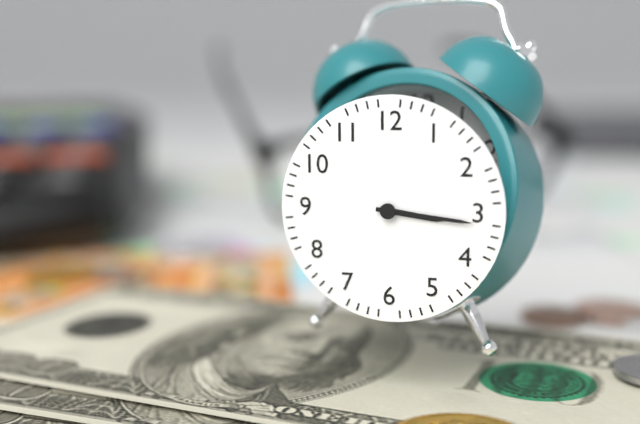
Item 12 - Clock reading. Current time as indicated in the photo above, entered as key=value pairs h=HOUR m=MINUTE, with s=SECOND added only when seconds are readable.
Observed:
h=3 m=16
